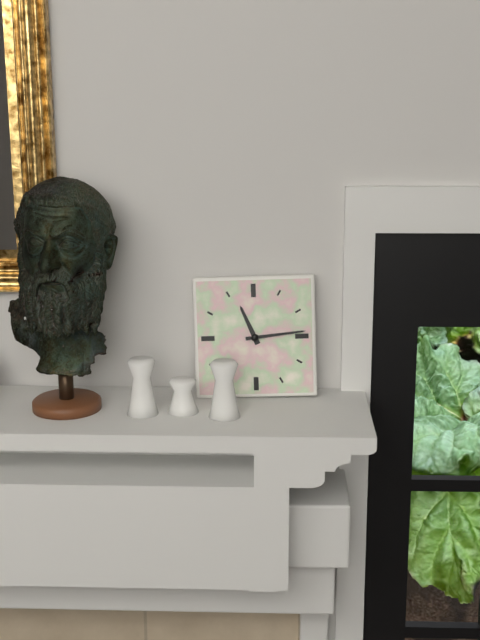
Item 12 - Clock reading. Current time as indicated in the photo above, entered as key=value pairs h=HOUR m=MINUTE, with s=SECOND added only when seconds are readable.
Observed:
h=11 m=14
